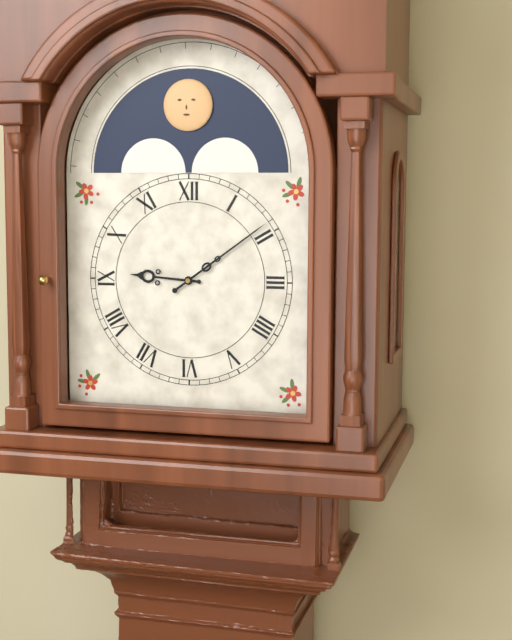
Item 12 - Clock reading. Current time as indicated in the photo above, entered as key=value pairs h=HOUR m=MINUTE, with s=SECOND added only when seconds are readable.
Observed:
h=9 m=9
